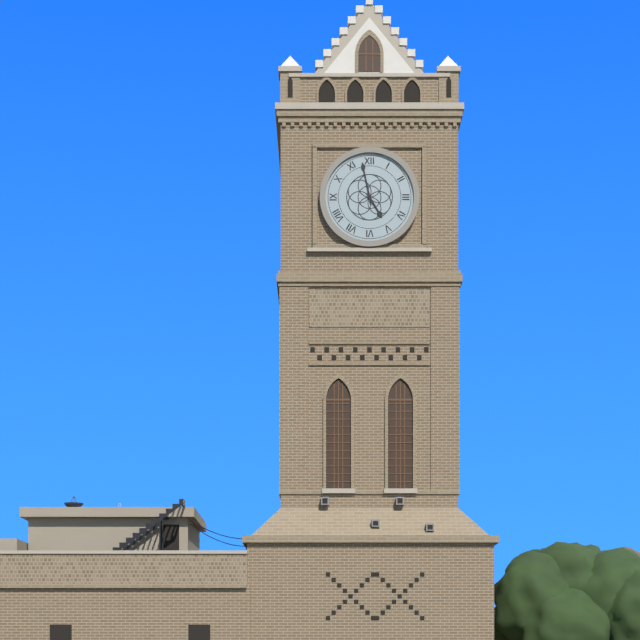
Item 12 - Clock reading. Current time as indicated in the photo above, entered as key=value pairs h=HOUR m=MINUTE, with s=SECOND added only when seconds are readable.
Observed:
h=4 m=58
